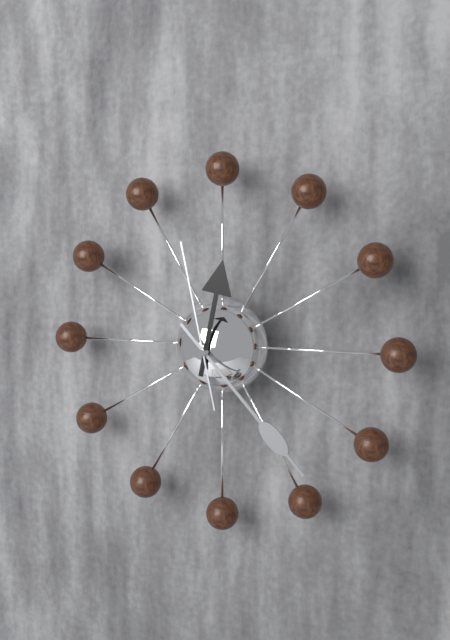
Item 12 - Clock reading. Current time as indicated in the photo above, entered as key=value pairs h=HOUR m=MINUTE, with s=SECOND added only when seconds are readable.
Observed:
h=12 m=23 s=58
